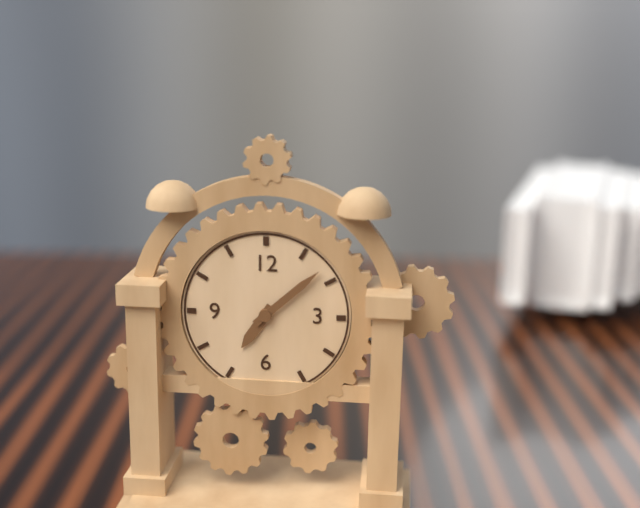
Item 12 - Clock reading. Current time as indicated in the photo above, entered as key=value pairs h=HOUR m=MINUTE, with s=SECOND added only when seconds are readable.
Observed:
h=7 m=8
